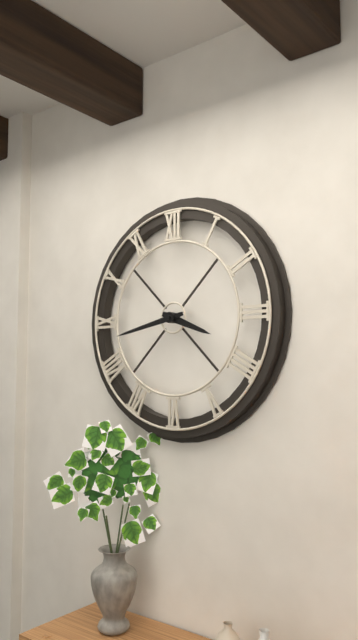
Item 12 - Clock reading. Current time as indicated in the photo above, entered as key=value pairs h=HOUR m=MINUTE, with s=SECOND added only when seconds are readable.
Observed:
h=3 m=43
